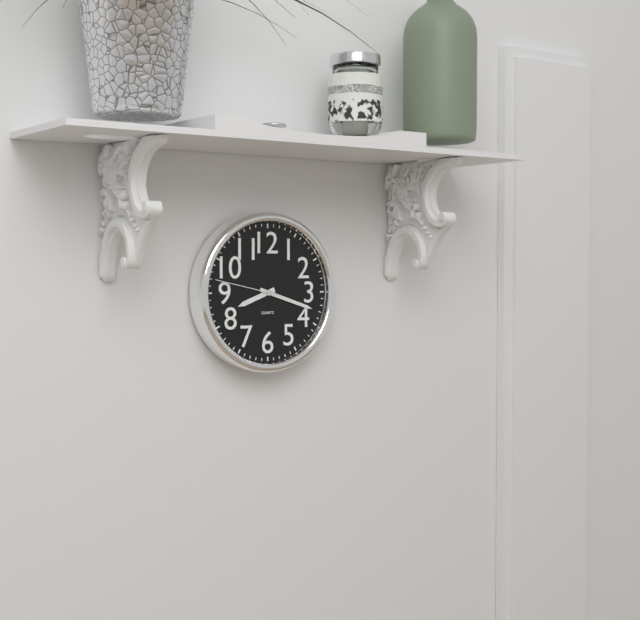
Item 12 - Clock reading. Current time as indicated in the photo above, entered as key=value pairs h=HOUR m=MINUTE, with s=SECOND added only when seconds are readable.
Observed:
h=8 m=18 s=47
